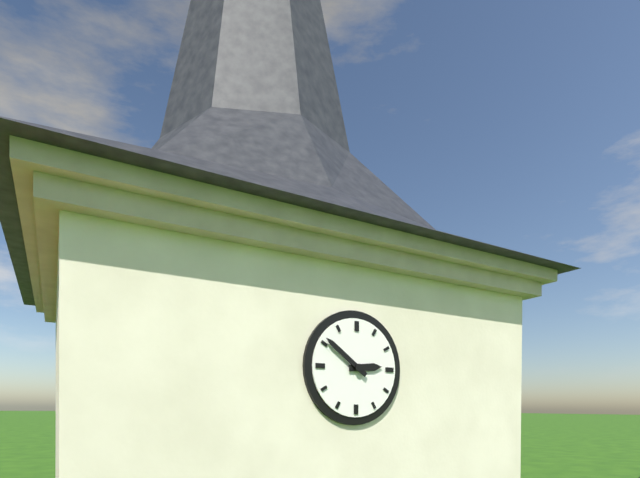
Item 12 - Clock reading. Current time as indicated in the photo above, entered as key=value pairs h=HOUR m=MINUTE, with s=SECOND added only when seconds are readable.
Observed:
h=2 m=51
